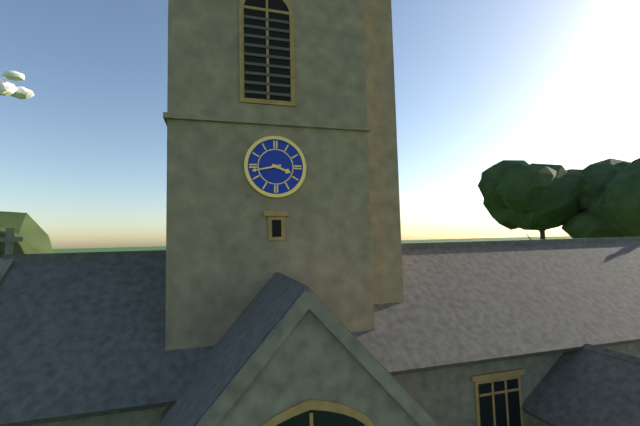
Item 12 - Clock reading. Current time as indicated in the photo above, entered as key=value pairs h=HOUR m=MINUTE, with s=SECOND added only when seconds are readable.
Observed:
h=3 m=43
